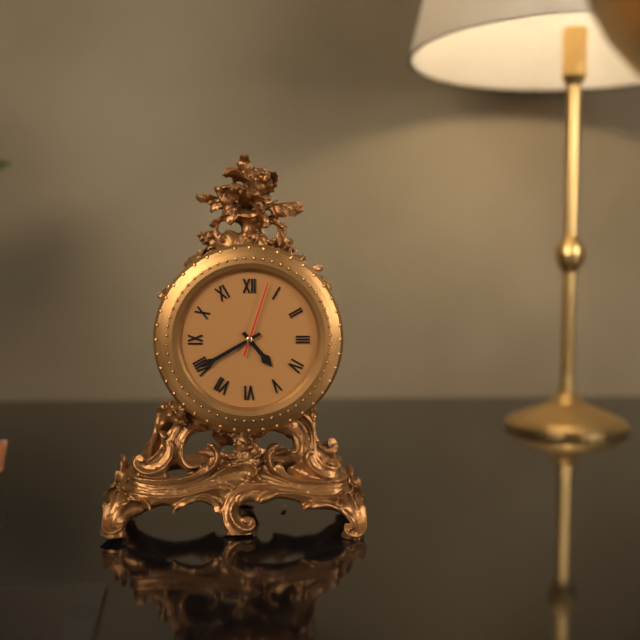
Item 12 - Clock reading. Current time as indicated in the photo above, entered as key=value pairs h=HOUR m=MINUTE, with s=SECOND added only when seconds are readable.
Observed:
h=4 m=40 s=3
